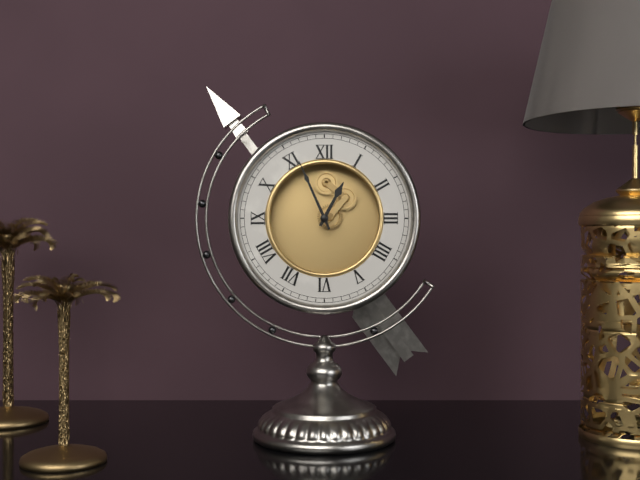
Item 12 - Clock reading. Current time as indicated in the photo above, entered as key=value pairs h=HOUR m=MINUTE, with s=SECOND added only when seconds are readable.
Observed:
h=12 m=56
